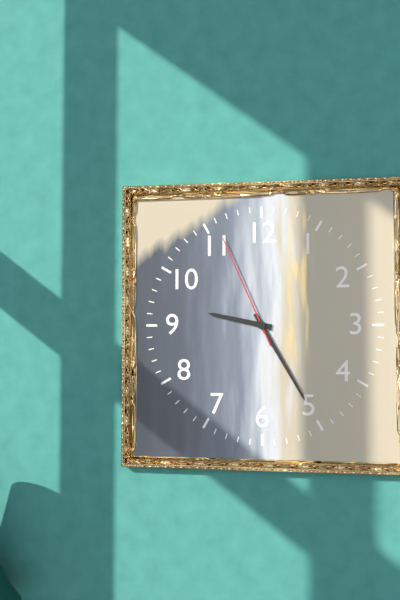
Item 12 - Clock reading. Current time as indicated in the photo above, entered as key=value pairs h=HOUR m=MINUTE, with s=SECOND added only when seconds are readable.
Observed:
h=9 m=25 s=56
